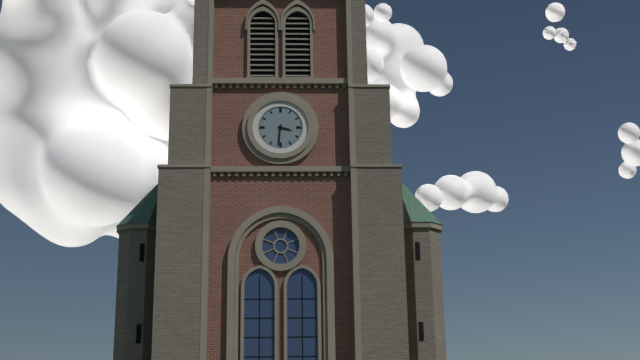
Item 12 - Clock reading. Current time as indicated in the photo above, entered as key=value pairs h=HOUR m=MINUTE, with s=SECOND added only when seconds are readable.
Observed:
h=3 m=31
